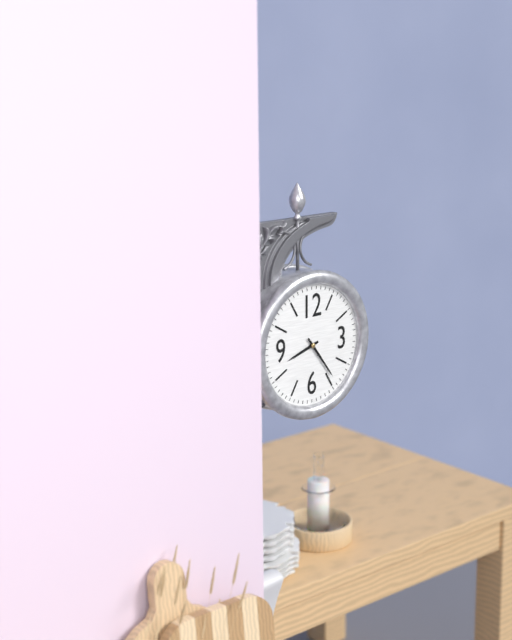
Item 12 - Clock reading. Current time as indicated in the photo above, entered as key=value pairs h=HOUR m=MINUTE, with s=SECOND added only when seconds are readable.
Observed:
h=8 m=24
